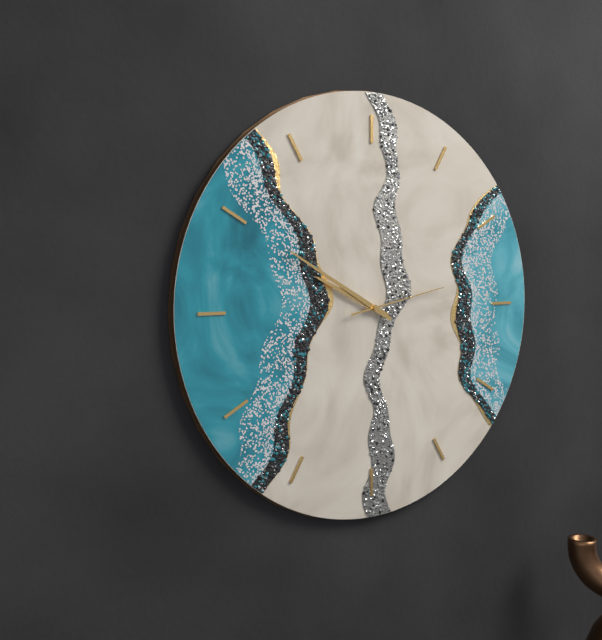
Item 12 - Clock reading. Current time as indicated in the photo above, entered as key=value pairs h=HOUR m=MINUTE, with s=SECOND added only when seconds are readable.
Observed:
h=9 m=50 s=13
